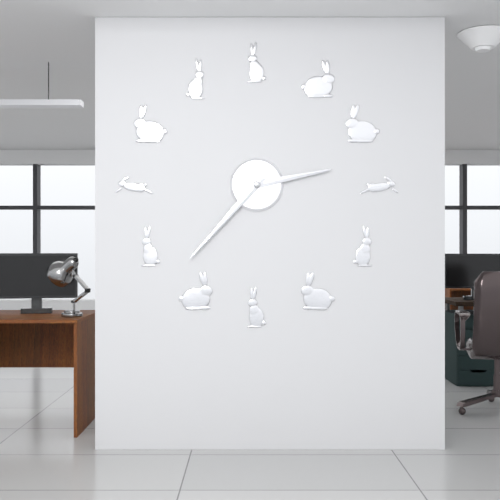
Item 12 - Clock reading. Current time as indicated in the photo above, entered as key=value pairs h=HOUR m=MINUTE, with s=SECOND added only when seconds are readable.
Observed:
h=2 m=37
